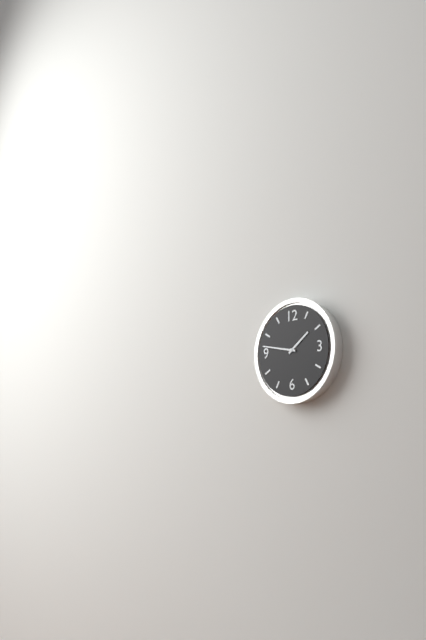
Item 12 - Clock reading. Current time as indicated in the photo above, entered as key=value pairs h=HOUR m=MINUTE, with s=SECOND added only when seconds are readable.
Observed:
h=1 m=47
